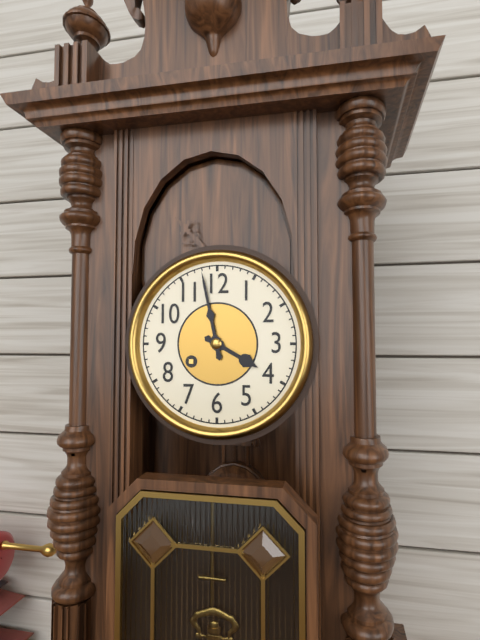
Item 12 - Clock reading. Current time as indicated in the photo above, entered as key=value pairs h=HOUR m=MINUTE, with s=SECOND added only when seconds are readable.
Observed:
h=3 m=58
